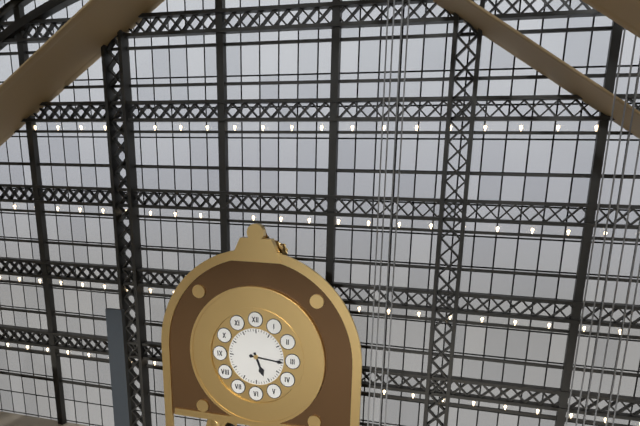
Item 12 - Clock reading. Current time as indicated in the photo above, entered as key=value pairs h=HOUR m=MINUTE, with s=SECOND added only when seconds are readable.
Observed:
h=5 m=16
